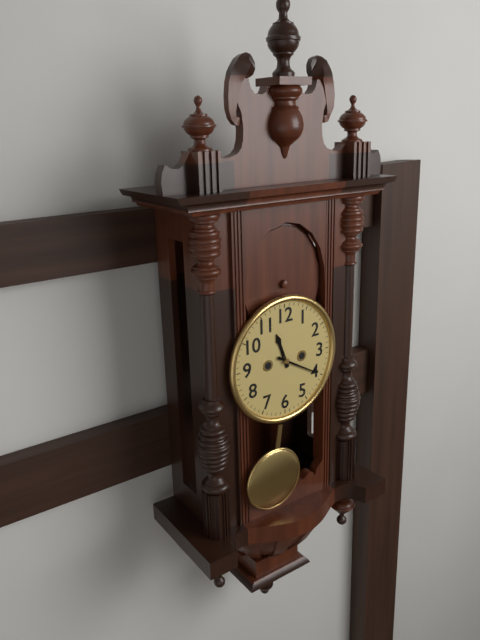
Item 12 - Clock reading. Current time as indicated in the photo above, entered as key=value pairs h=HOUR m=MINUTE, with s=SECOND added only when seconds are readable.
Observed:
h=11 m=20
